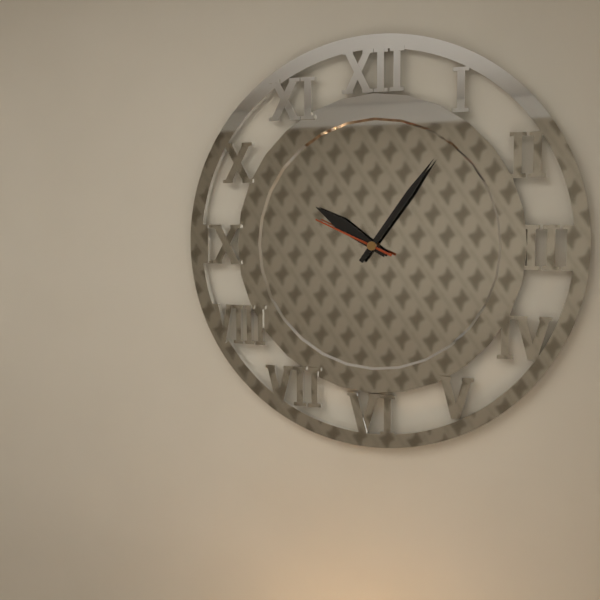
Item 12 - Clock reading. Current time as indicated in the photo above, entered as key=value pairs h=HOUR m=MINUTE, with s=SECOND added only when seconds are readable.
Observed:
h=10 m=6 s=49
